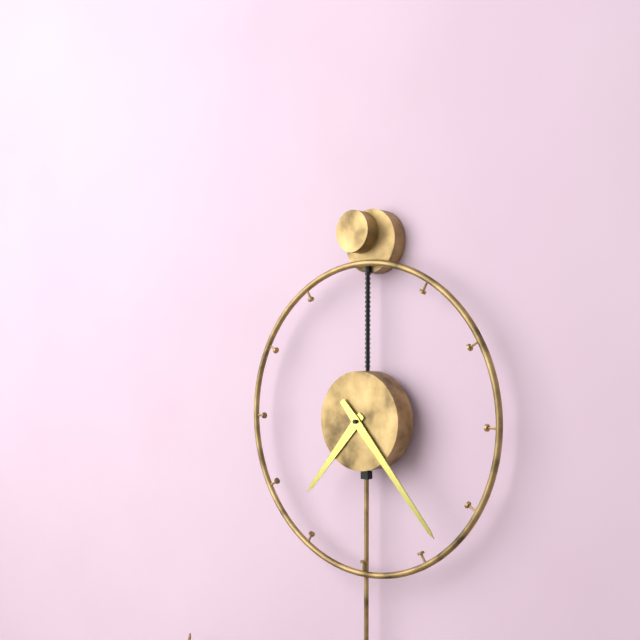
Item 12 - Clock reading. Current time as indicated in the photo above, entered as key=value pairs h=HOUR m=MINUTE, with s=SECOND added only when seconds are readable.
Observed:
h=7 m=23
